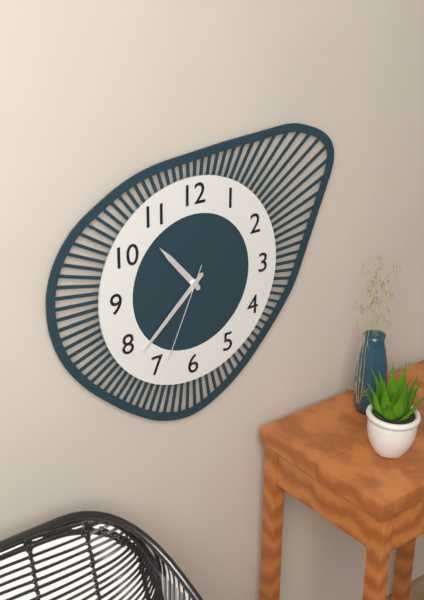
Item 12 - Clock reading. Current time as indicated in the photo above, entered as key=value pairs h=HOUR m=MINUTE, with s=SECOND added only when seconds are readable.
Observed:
h=10 m=38 s=34
